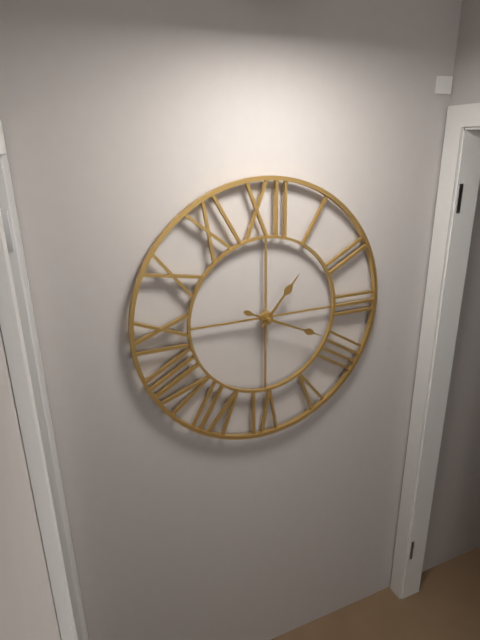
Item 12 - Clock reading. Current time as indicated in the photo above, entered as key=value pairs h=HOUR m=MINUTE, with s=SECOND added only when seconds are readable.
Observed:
h=1 m=19
